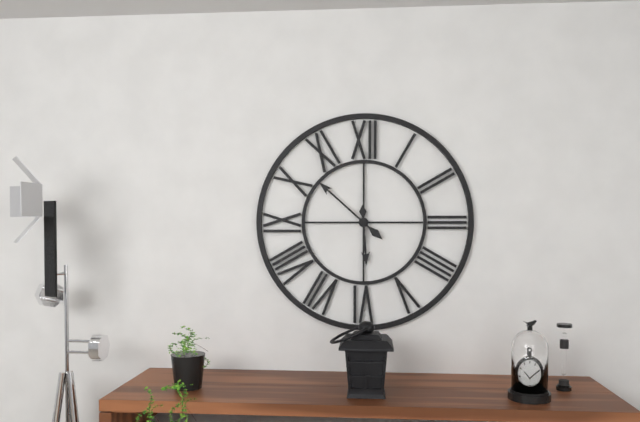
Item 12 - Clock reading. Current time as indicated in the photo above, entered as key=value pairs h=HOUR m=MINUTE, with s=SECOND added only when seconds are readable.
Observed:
h=5 m=52
